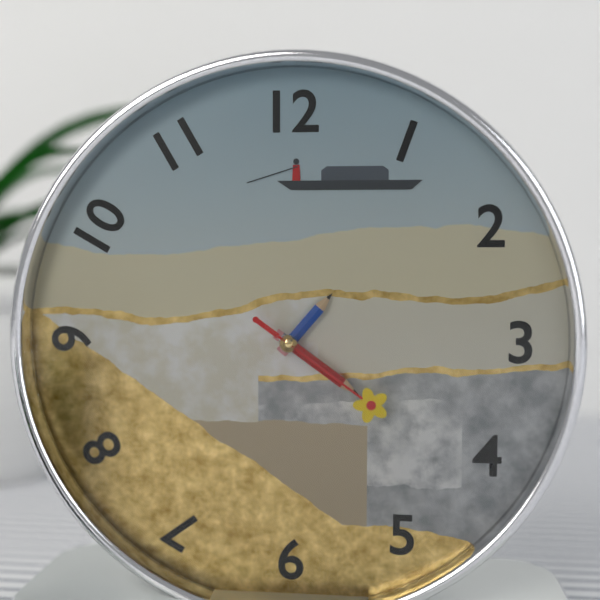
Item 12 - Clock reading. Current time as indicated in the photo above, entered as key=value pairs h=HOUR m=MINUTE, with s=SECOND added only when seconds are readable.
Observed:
h=1 m=21 s=21
